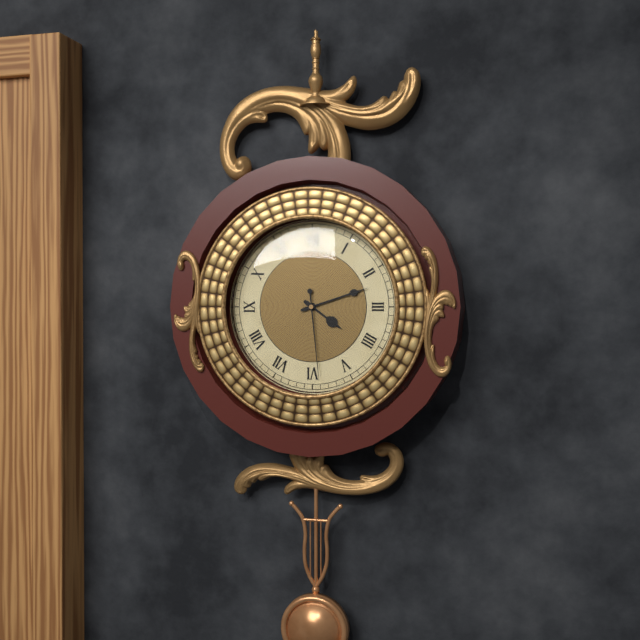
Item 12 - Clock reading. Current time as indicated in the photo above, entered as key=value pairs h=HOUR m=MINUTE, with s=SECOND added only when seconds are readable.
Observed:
h=4 m=12 s=29
